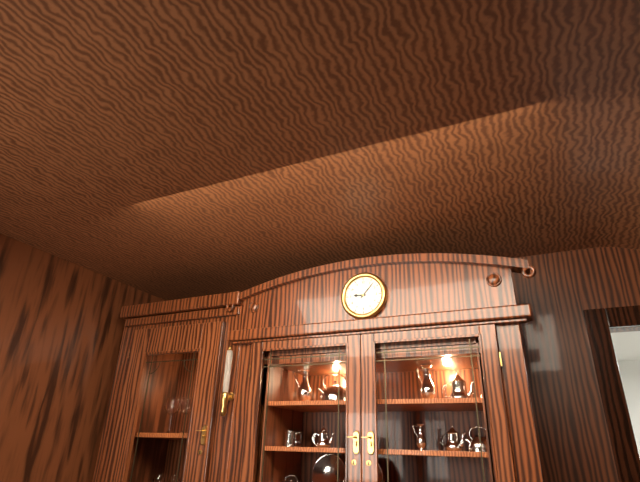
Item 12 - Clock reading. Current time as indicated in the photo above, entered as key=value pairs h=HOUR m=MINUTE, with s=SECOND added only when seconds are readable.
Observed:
h=9 m=7
